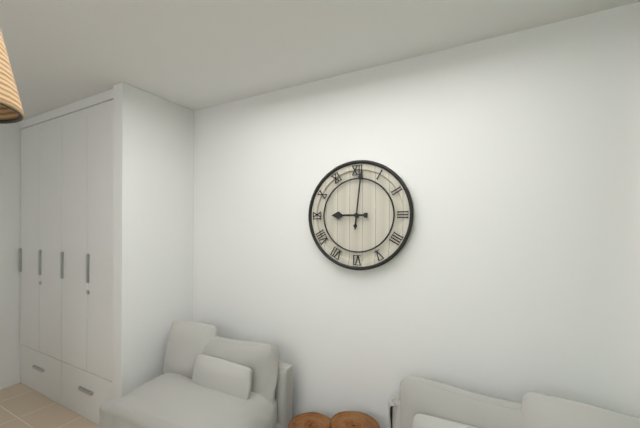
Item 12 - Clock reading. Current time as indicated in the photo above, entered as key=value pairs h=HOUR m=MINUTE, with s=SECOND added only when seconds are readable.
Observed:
h=9 m=1
